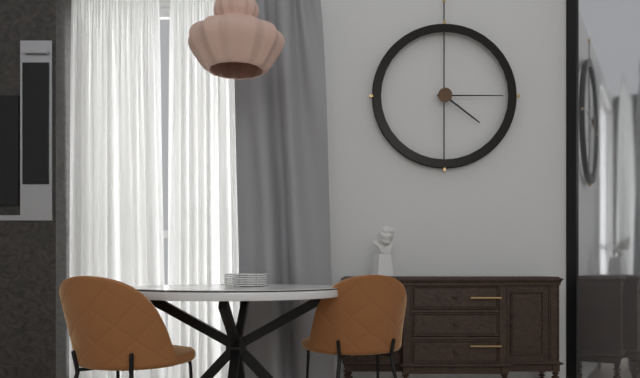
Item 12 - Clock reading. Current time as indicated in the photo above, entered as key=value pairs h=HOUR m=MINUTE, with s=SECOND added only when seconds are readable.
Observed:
h=4 m=15
